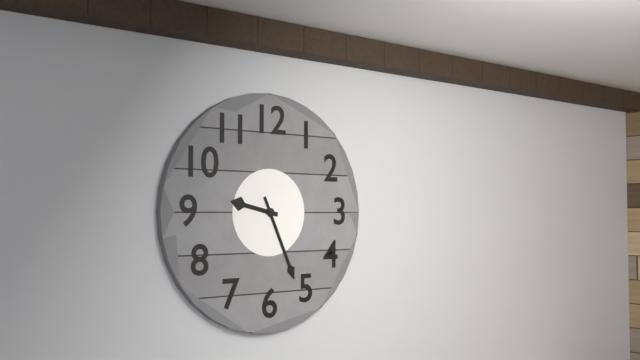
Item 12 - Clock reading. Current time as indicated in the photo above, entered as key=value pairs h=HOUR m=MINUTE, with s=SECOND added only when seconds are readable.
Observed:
h=9 m=26
